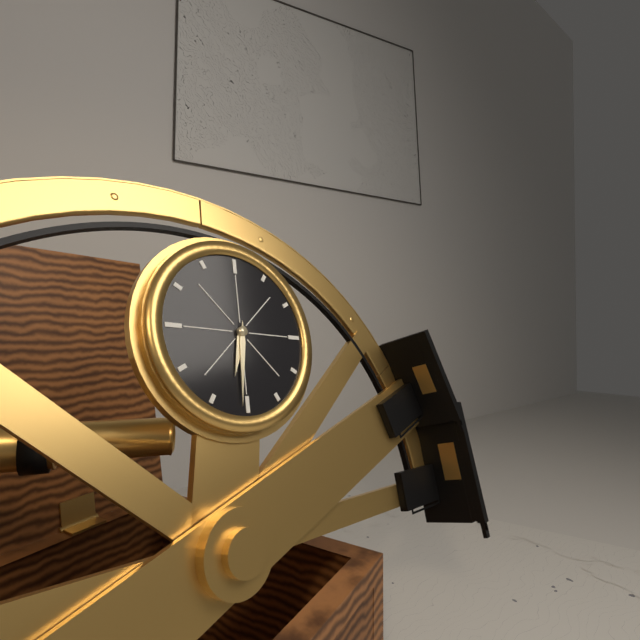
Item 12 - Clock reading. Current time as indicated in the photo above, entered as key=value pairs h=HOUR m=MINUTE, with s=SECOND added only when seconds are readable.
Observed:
h=6 m=31
